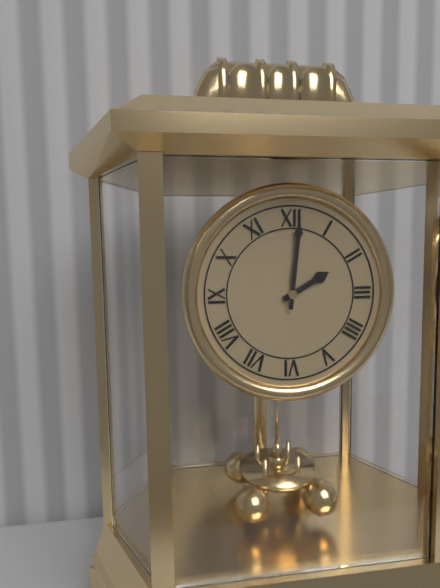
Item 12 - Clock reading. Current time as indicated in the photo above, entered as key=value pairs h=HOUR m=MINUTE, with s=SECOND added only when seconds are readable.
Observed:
h=2 m=1
